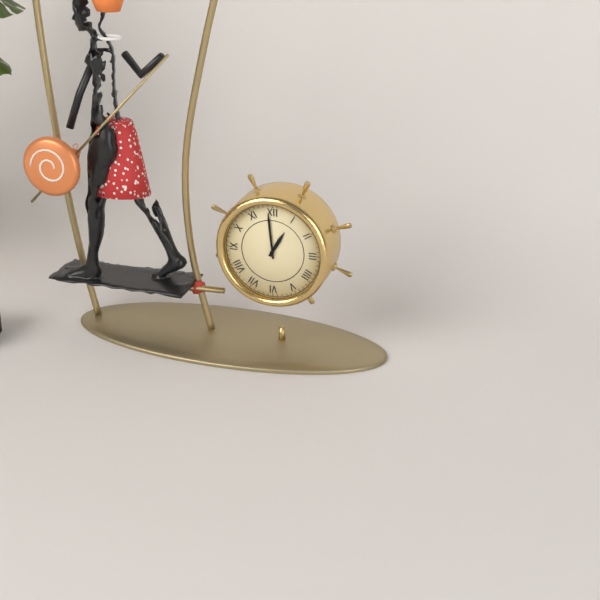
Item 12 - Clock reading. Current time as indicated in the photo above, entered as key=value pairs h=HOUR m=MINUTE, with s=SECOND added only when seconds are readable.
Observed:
h=12 m=59
